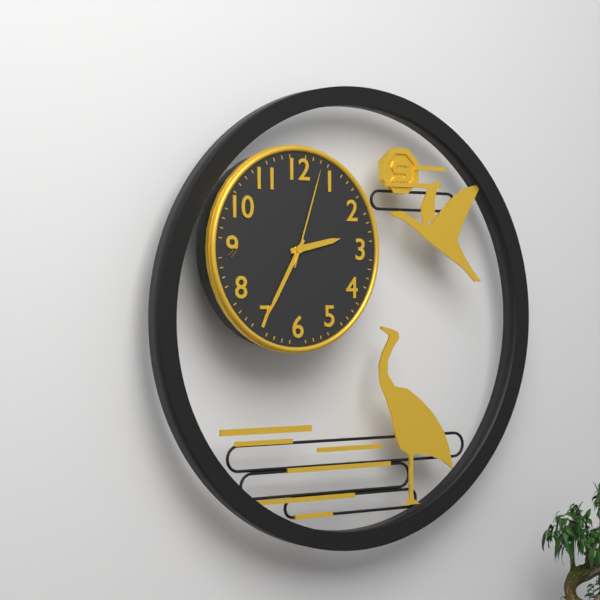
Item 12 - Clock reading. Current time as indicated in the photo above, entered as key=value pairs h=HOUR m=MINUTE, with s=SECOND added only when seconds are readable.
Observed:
h=2 m=35 s=3
